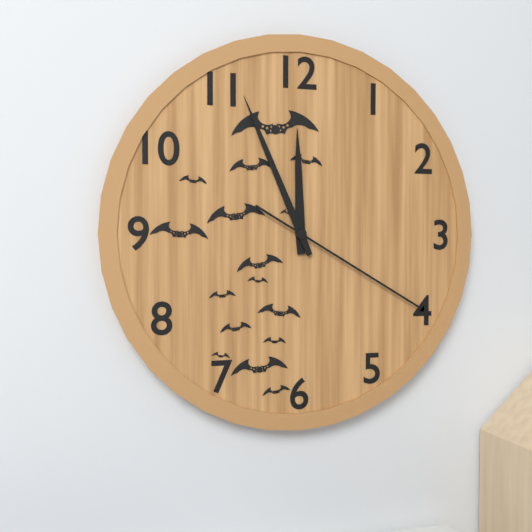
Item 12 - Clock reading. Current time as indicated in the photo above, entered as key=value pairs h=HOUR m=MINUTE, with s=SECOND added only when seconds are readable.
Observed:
h=11 m=56 s=20
